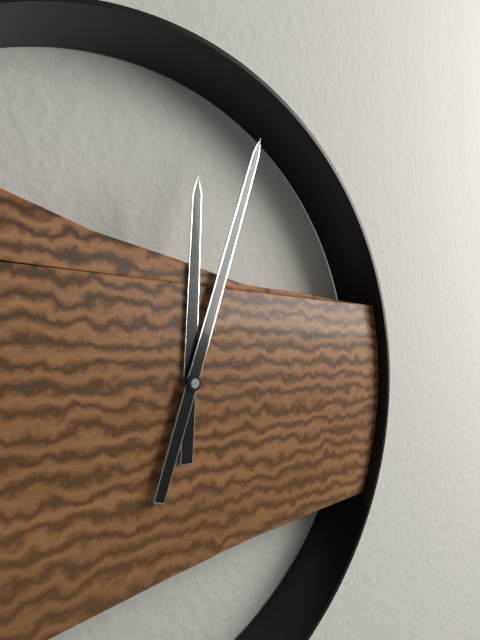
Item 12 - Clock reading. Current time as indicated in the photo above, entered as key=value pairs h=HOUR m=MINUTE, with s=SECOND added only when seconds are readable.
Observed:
h=12 m=3
